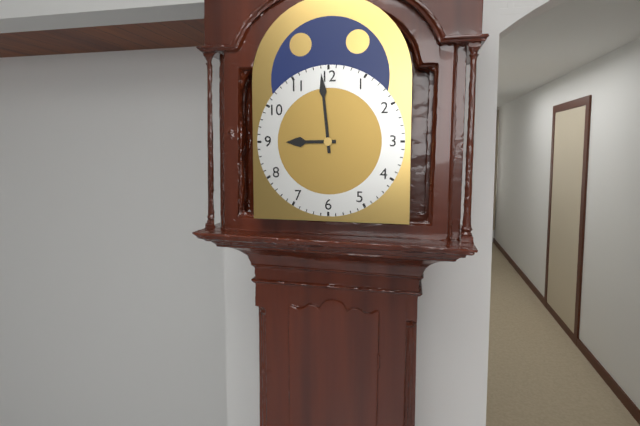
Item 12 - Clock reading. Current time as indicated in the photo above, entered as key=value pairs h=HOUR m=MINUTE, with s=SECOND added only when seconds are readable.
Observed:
h=8 m=59
